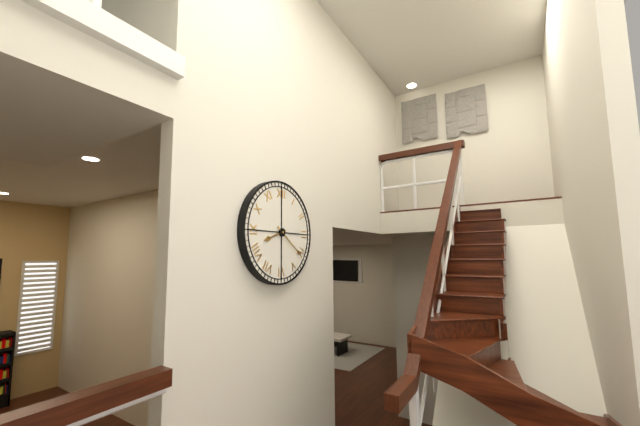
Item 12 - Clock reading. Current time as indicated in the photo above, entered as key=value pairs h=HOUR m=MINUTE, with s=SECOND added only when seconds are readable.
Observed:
h=8 m=21
